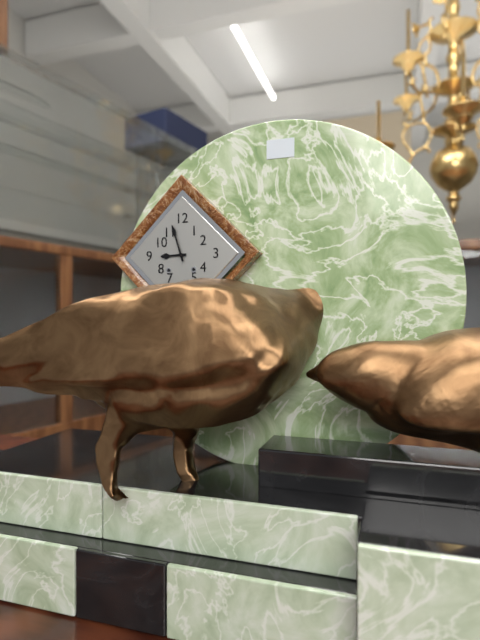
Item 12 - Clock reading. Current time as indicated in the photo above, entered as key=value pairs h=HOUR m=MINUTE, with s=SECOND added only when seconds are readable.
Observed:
h=8 m=57
